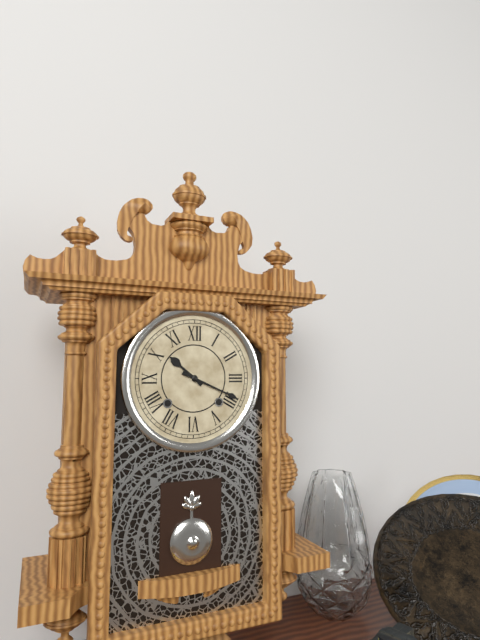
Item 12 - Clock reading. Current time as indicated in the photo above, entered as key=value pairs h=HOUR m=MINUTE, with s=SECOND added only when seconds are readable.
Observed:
h=10 m=19
